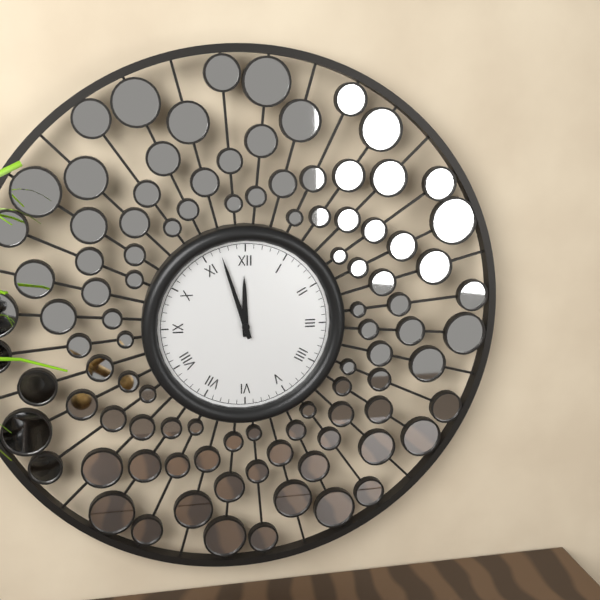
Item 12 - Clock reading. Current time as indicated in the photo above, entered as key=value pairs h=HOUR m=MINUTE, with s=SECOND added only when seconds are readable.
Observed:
h=11 m=57
